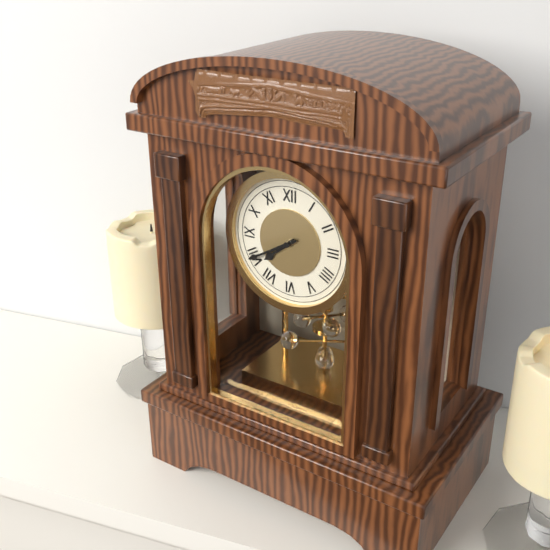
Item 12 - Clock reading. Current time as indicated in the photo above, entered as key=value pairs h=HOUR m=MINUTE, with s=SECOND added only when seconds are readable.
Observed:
h=7 m=40
